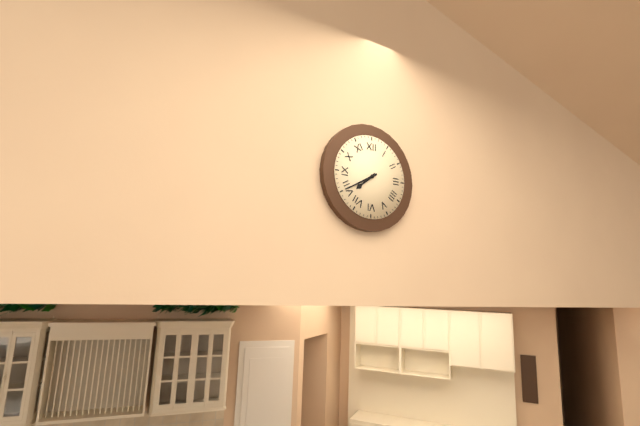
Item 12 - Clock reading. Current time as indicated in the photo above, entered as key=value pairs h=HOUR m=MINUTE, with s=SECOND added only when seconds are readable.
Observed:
h=7 m=40
